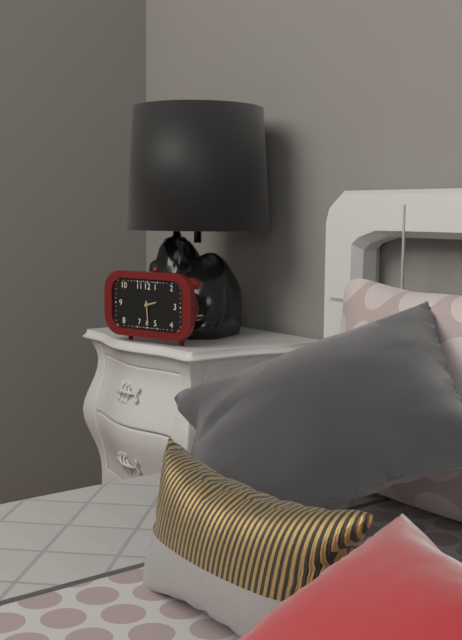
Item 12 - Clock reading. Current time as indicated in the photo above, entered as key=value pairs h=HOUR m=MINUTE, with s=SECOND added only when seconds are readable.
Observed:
h=2 m=29
